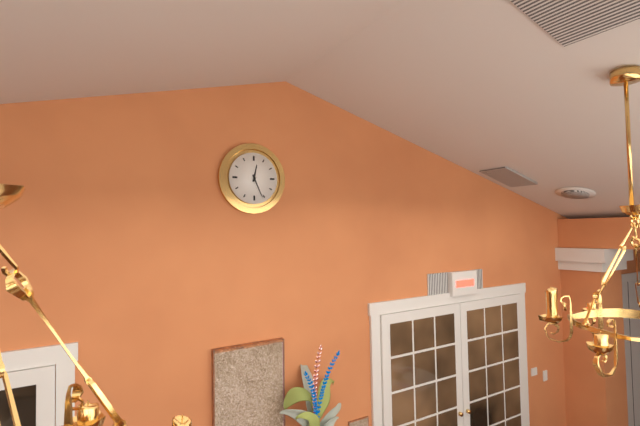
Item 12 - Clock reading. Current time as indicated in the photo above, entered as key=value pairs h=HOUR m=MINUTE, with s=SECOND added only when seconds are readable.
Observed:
h=12 m=26
